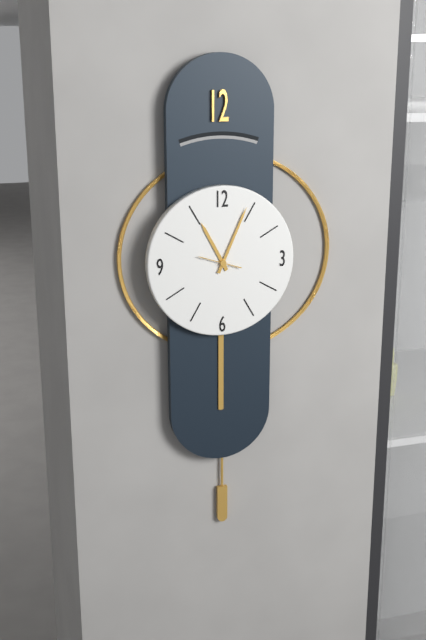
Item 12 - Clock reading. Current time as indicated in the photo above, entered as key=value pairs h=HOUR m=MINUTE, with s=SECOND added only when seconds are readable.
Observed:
h=11 m=4
